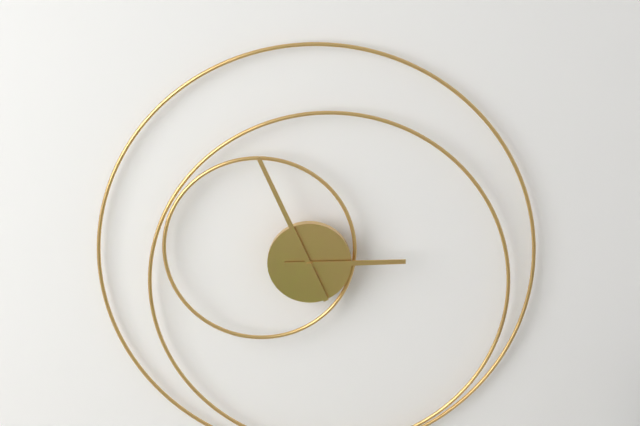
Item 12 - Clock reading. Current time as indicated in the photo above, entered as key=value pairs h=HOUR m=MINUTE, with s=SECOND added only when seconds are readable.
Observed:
h=2 m=56
